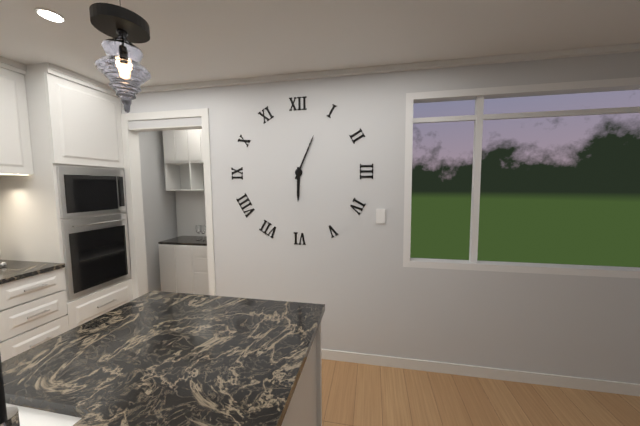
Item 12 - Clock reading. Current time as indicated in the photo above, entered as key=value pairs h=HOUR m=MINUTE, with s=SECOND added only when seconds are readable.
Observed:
h=6 m=4
